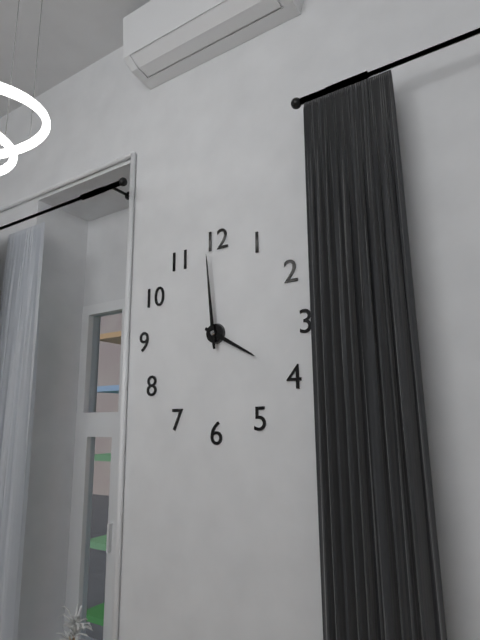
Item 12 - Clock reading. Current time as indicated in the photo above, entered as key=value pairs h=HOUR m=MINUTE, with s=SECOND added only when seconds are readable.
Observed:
h=3 m=59
